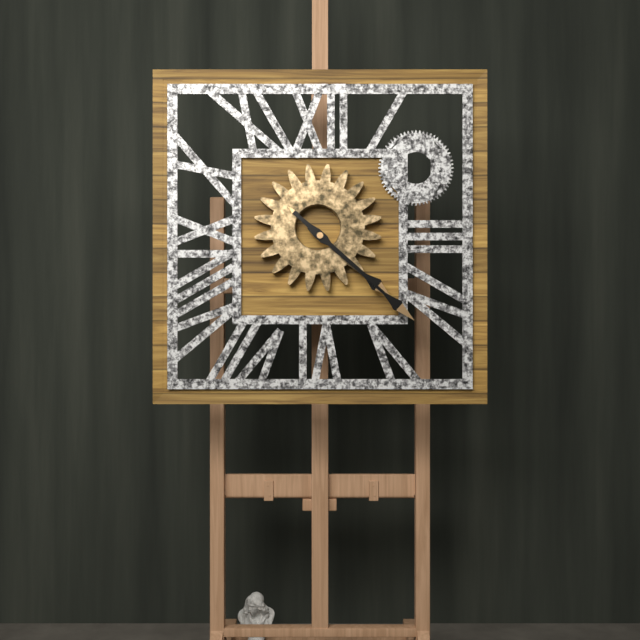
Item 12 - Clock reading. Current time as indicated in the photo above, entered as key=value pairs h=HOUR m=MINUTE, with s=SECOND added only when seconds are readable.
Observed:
h=4 m=22
